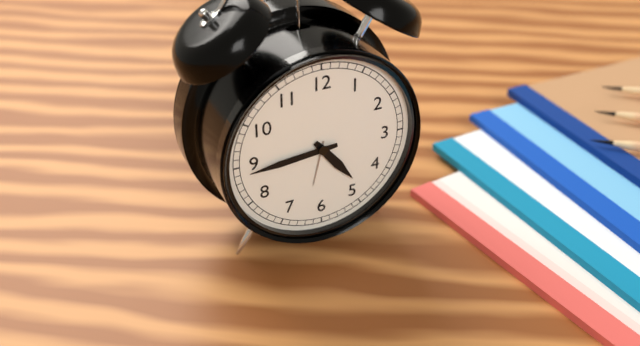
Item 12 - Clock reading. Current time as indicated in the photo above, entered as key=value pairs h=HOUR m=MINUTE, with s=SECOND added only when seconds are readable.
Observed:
h=4 m=44
